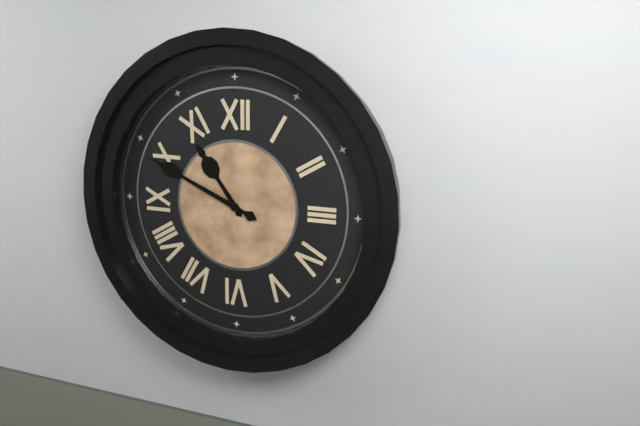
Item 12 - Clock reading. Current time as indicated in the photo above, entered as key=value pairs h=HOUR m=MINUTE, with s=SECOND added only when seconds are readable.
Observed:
h=10 m=49
